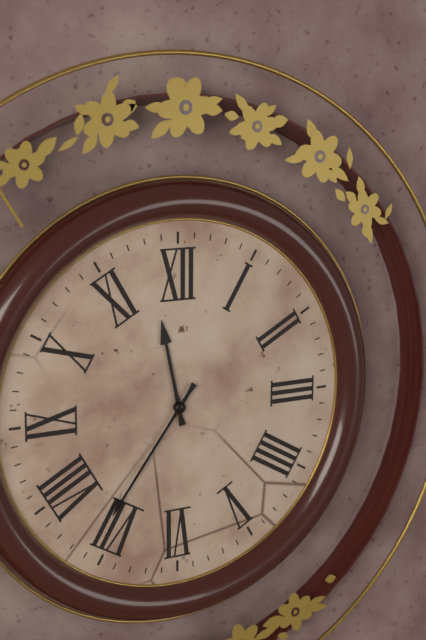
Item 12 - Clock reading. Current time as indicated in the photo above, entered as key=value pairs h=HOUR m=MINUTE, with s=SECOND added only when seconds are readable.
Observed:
h=11 m=36
